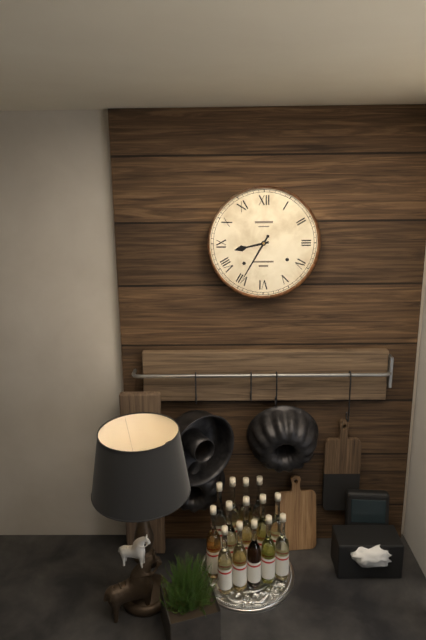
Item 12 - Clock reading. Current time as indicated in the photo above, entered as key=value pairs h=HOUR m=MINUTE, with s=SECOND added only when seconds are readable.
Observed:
h=8 m=35
